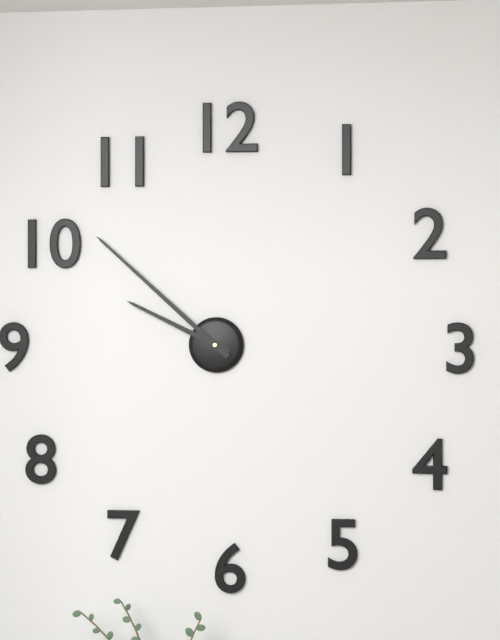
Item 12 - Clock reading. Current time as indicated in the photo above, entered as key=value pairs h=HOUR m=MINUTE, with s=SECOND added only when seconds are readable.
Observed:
h=9 m=52
